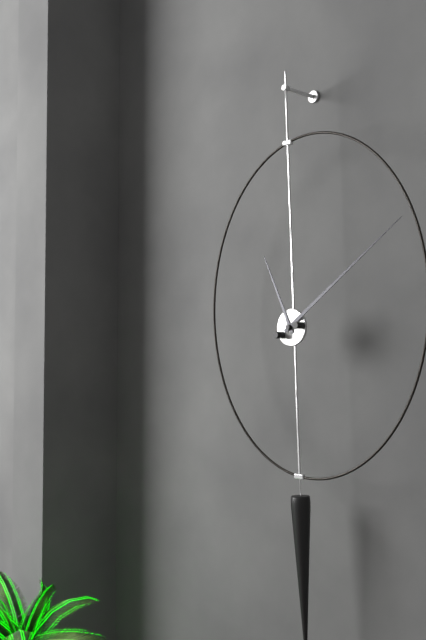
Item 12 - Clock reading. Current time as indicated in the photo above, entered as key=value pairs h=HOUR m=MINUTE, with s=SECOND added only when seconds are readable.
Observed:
h=11 m=9
